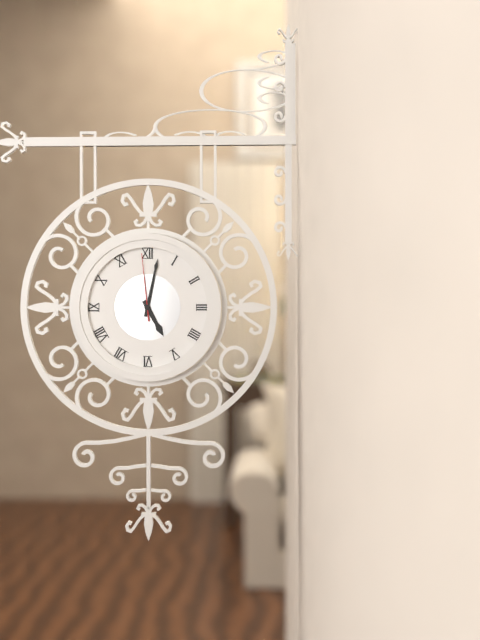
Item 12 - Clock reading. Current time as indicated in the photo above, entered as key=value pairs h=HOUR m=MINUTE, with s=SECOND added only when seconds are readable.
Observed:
h=5 m=2 s=59
